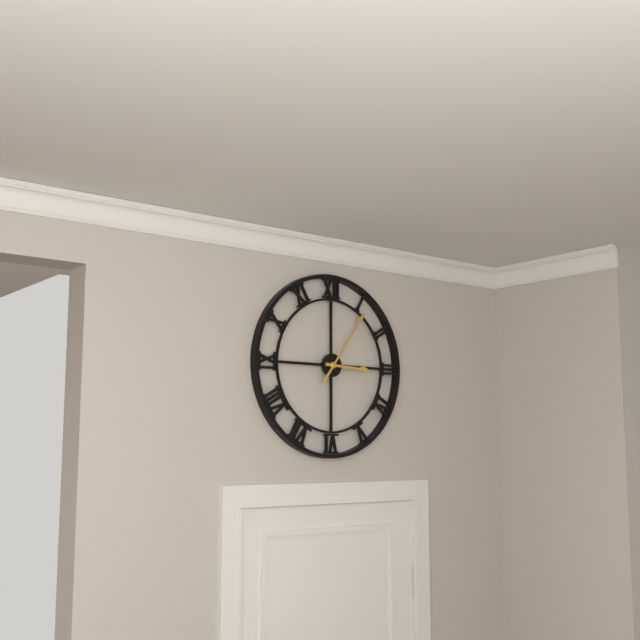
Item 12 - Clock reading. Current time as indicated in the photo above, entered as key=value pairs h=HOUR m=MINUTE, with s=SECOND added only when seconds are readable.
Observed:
h=3 m=6
